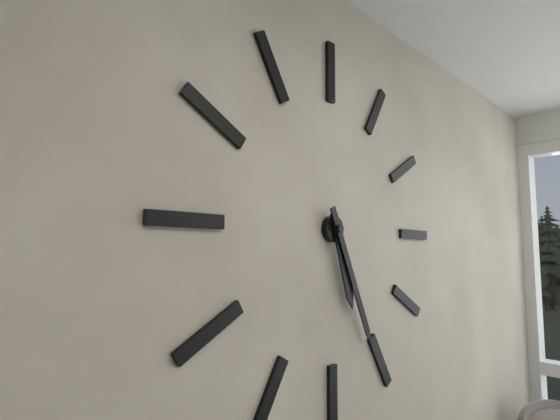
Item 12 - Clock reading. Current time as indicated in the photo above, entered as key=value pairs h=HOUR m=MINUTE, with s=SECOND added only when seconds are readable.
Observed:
h=5 m=26
